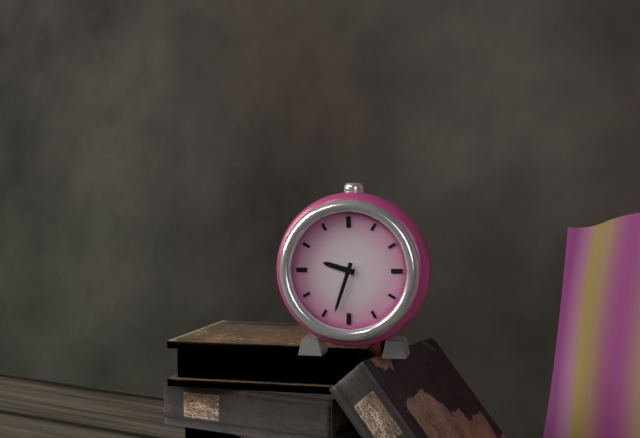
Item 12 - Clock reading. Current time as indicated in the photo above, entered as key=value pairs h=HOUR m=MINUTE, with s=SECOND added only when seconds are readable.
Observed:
h=9 m=33
